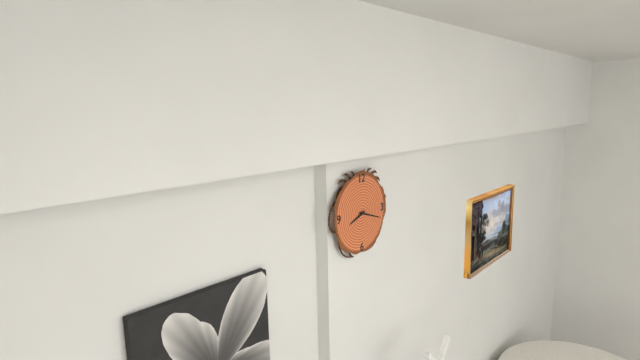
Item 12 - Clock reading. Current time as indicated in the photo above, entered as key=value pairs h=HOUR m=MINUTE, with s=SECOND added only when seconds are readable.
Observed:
h=8 m=18
